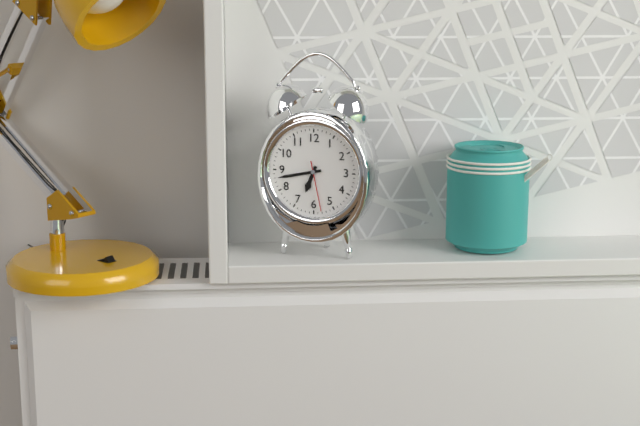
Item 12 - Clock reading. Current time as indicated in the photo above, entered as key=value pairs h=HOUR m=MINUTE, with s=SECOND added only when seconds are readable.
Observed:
h=6 m=43 s=28
